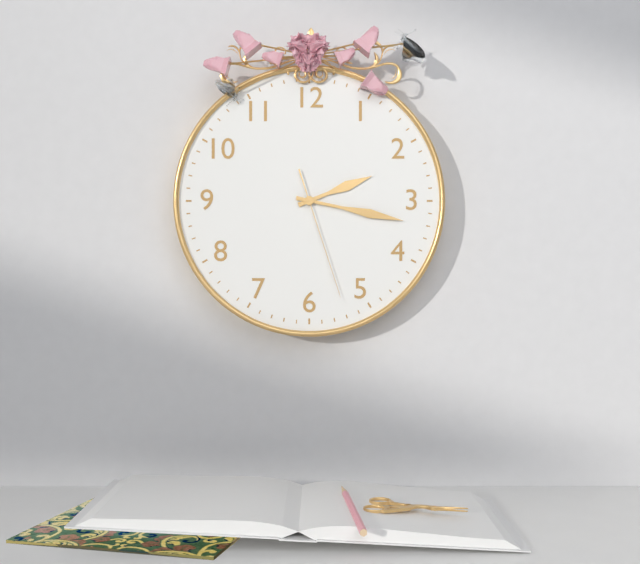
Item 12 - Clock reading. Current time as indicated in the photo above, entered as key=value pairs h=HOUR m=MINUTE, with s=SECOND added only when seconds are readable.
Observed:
h=2 m=17 s=27
